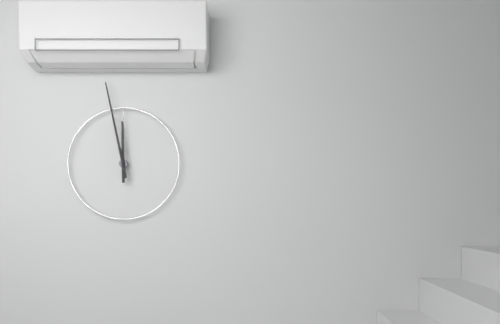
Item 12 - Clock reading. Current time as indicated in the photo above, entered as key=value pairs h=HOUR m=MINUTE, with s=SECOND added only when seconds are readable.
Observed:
h=11 m=58
